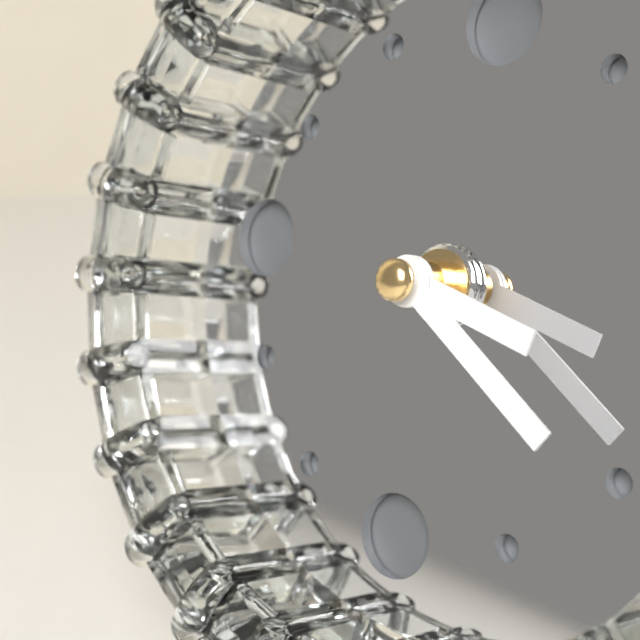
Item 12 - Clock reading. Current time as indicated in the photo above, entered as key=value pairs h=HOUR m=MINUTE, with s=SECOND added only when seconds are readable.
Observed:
h=3 m=20
